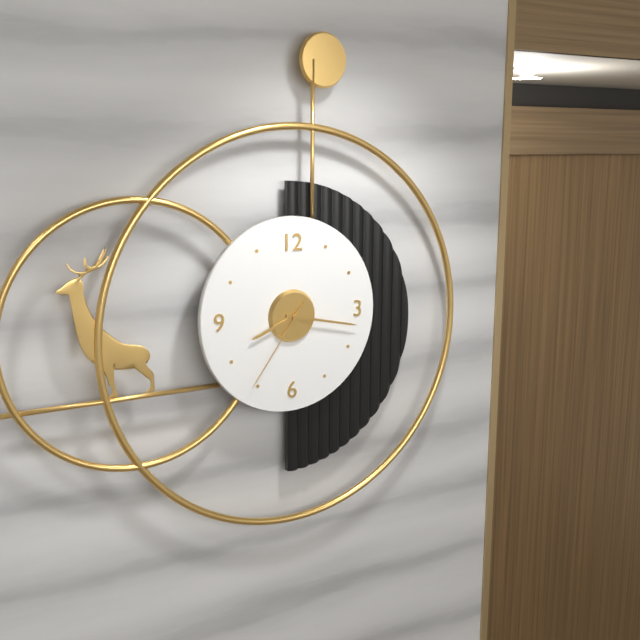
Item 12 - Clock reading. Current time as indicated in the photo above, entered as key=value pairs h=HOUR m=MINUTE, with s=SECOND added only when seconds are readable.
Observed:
h=8 m=17 s=36
